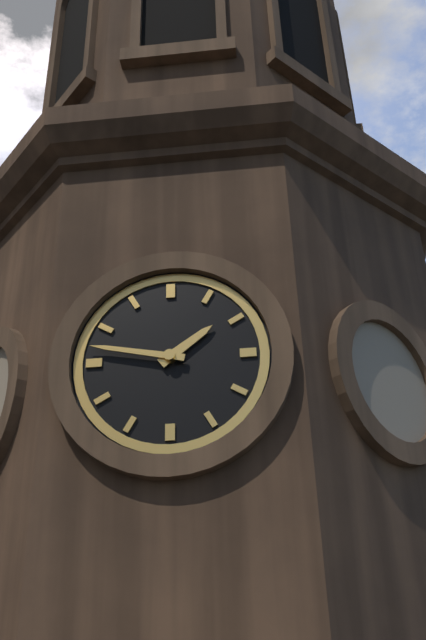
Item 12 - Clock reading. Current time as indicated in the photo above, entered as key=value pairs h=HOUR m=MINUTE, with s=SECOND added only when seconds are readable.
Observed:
h=1 m=47
